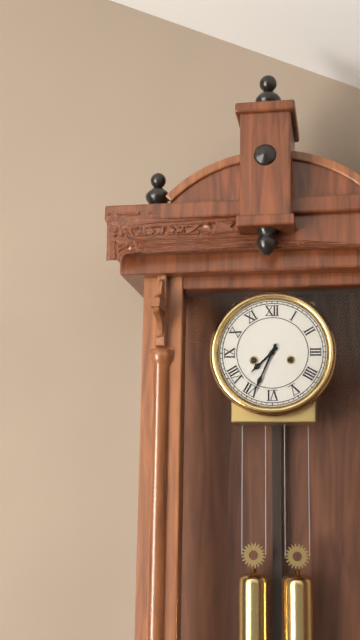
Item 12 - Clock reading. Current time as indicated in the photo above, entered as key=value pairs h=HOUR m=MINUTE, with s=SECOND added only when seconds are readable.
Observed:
h=7 m=34
